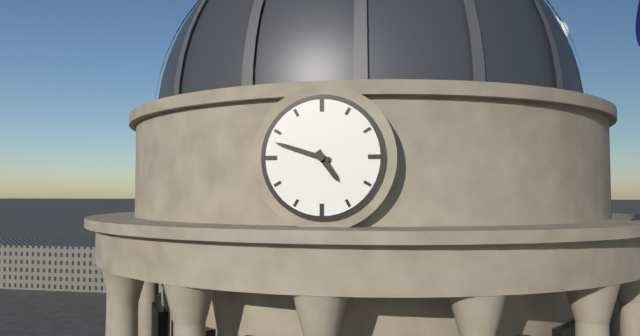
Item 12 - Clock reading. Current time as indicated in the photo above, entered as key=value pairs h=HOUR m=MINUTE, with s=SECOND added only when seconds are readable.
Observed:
h=4 m=48
